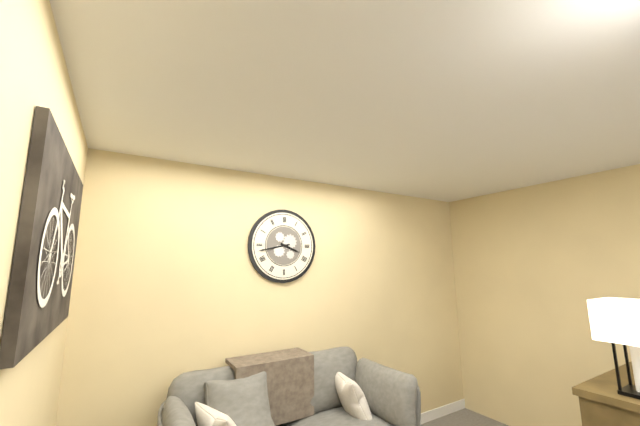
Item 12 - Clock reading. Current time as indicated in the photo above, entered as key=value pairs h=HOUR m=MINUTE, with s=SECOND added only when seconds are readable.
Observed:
h=3 m=43
